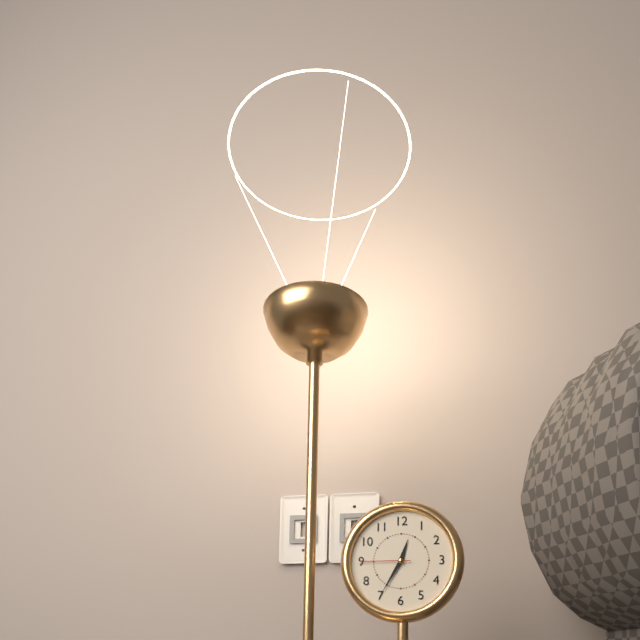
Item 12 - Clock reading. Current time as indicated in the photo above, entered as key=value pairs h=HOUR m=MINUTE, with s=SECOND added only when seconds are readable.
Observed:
h=12 m=35 s=45
